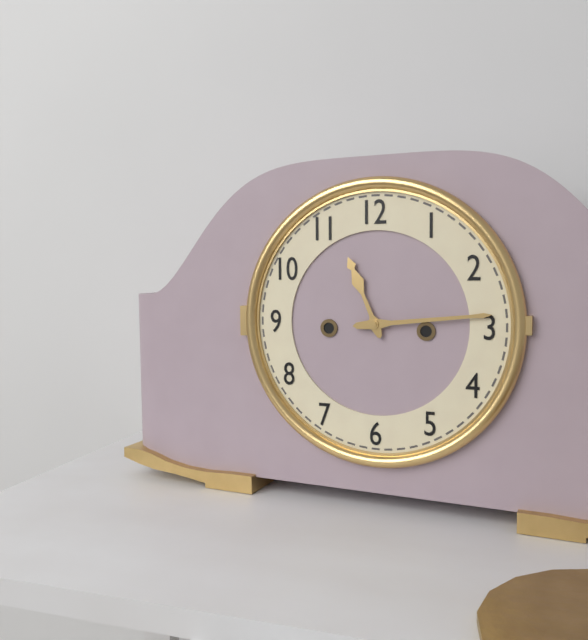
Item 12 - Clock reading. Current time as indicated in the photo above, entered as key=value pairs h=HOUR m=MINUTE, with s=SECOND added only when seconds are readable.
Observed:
h=11 m=14
